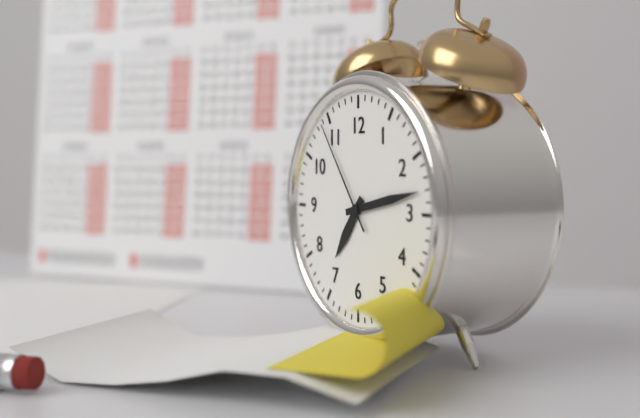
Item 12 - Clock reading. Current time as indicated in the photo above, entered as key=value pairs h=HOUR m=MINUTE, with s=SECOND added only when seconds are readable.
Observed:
h=7 m=13 s=54
